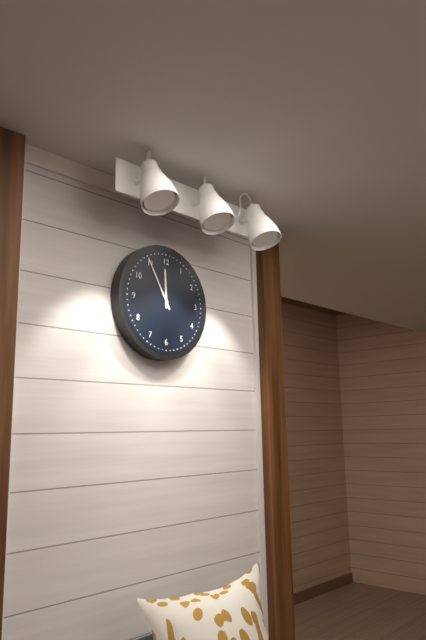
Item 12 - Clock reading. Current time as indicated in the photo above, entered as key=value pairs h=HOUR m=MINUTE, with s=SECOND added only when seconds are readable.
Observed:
h=11 m=55
